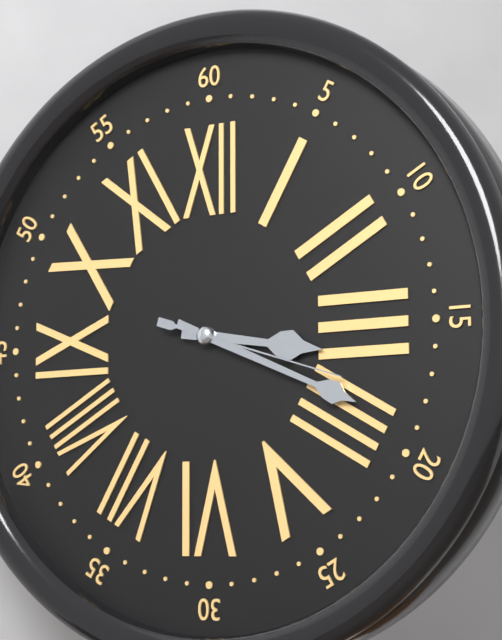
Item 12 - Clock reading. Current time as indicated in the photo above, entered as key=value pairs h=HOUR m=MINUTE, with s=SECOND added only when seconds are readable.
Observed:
h=3 m=19 s=18
